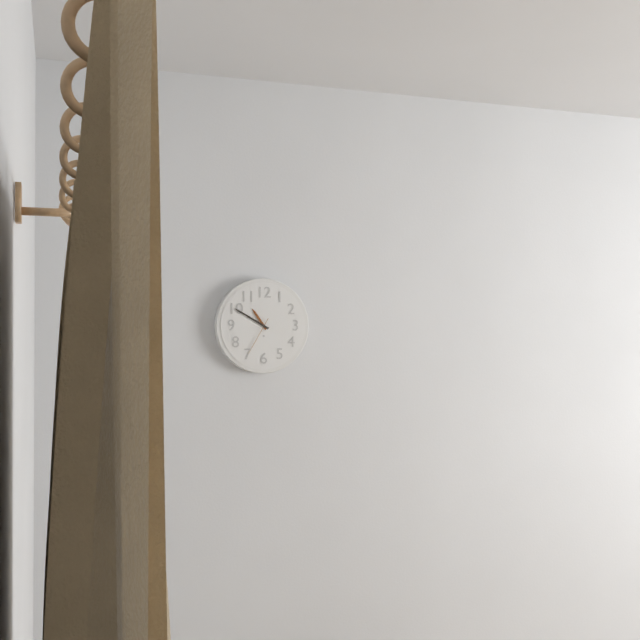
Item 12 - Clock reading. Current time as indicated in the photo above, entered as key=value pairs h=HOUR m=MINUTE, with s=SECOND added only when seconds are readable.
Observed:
h=10 m=50
